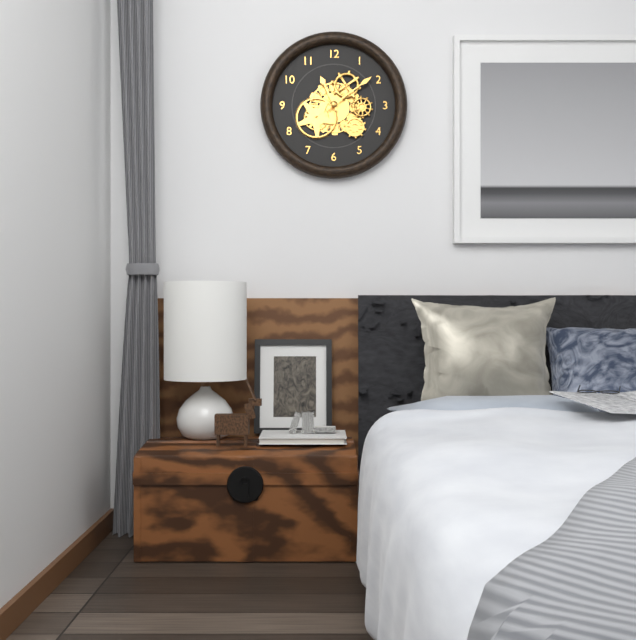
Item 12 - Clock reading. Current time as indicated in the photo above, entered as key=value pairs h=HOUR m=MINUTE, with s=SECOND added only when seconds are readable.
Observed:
h=11 m=9
